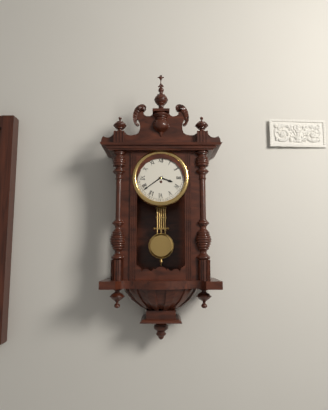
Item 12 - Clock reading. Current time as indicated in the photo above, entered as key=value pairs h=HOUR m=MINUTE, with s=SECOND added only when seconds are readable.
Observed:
h=3 m=39
